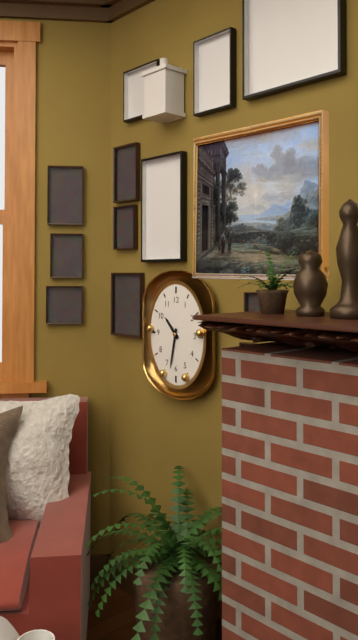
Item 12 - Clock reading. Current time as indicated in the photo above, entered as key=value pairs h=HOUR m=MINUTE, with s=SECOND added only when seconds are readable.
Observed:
h=10 m=32
